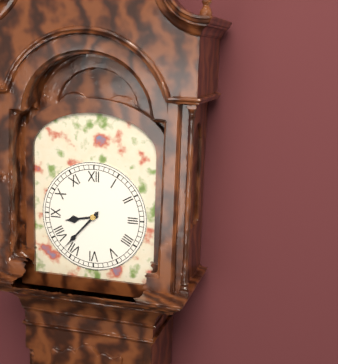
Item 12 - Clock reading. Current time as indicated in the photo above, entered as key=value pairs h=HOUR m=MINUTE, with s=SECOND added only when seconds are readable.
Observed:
h=8 m=37
